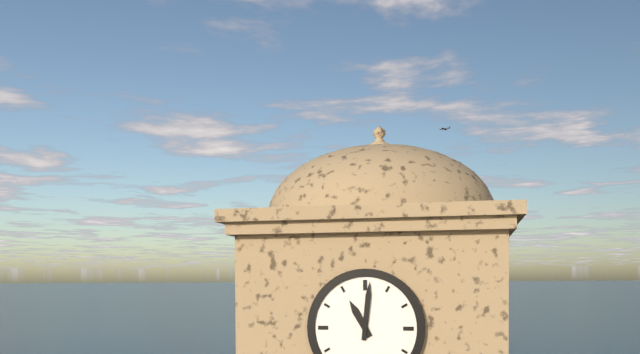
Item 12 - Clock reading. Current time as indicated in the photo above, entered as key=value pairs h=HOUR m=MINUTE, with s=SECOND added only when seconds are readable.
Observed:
h=11 m=1
